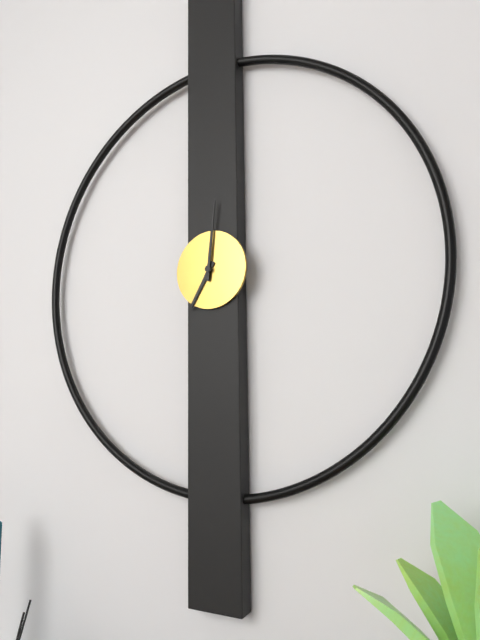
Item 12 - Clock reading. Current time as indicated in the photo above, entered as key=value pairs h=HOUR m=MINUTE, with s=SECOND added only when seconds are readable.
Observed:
h=7 m=1
